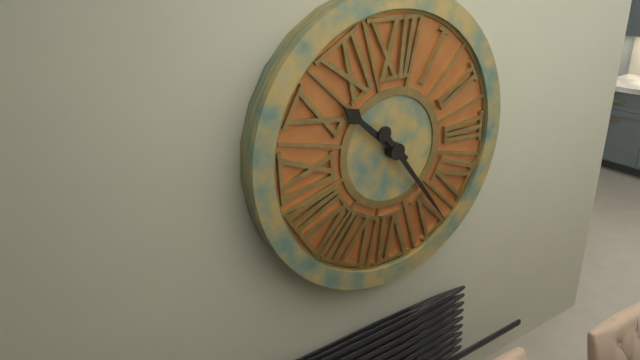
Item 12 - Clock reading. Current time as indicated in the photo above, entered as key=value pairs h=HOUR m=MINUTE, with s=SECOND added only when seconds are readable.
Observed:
h=10 m=24
